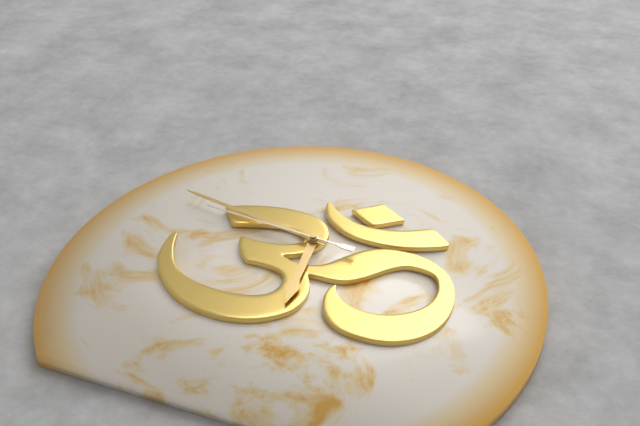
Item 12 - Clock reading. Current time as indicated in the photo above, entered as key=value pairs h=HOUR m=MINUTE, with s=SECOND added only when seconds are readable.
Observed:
h=5 m=47 s=46
